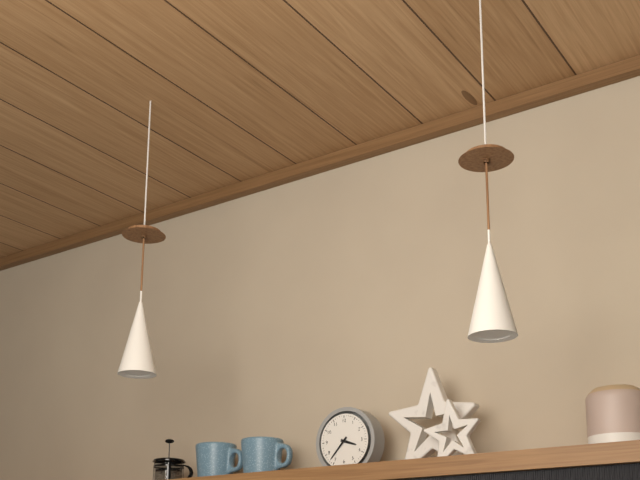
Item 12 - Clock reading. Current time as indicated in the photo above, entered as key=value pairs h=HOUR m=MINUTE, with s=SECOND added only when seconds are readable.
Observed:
h=3 m=37
